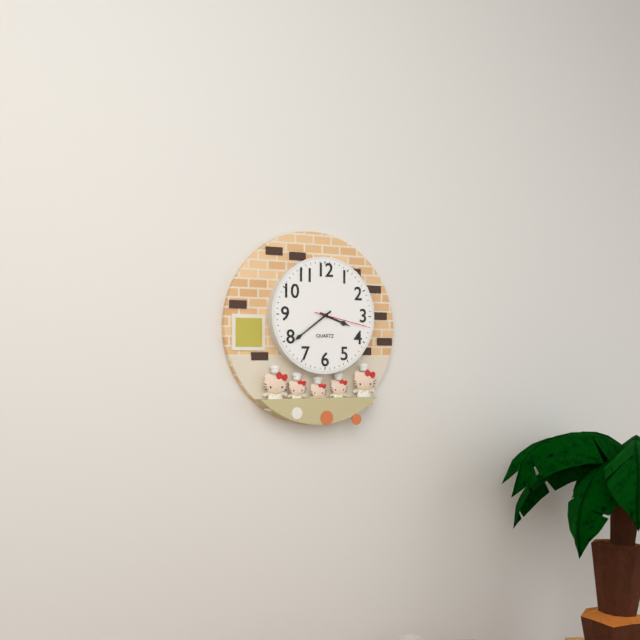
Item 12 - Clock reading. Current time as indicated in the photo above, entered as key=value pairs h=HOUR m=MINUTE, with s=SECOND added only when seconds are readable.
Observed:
h=3 m=39 s=17
